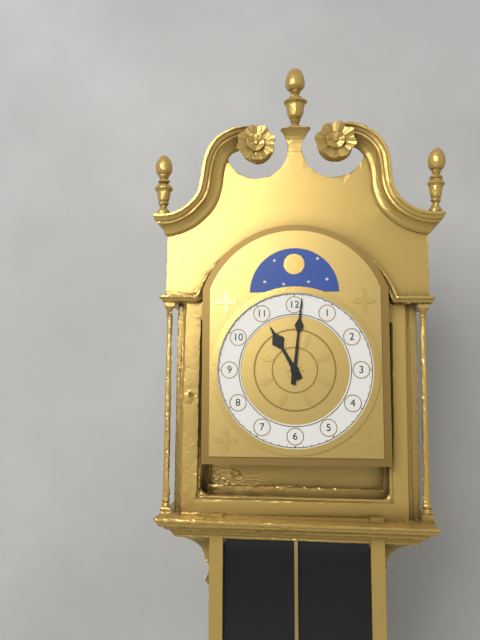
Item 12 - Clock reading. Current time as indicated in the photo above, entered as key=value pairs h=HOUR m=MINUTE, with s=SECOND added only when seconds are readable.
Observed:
h=11 m=1
